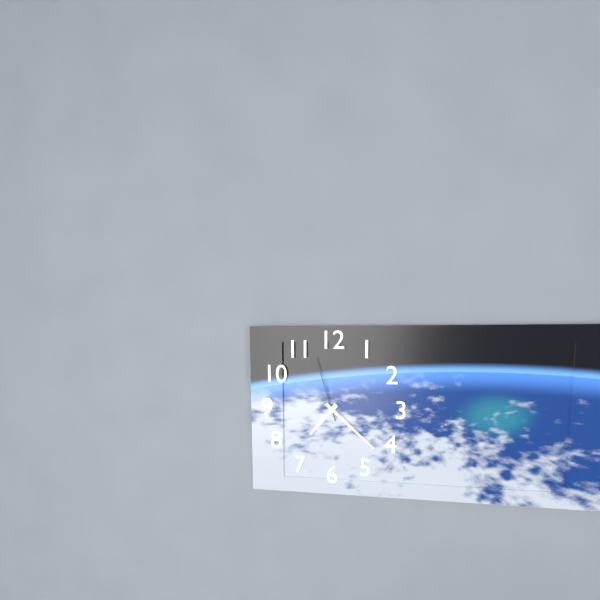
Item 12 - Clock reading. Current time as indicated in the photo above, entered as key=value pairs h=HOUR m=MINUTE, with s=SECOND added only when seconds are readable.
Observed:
h=7 m=22 s=57
